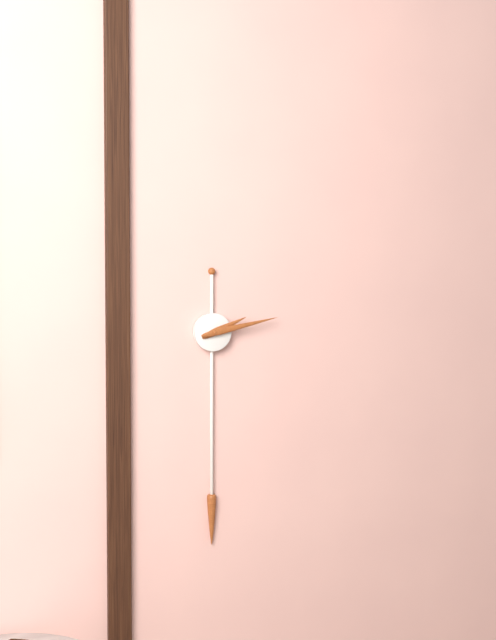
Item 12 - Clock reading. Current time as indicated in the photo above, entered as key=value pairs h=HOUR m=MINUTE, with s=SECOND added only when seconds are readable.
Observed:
h=2 m=13
